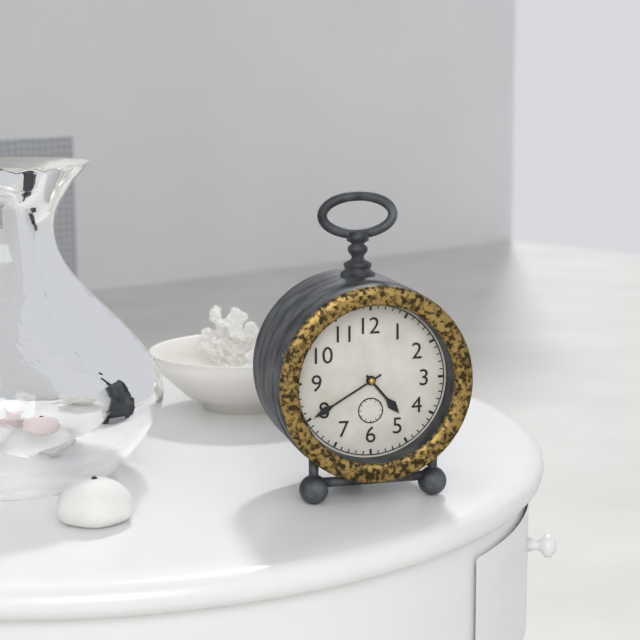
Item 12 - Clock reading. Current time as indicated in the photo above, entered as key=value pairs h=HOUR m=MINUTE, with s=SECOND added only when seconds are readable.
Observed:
h=4 m=40
